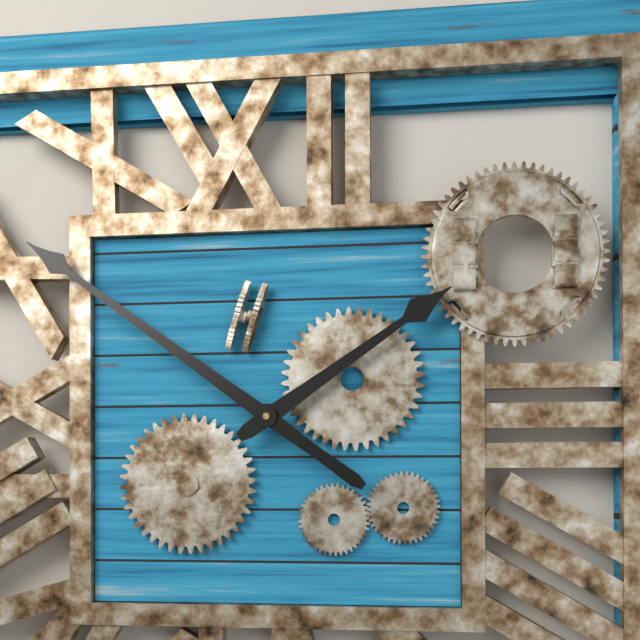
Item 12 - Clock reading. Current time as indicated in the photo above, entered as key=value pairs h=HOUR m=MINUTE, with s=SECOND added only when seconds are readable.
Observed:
h=1 m=51
